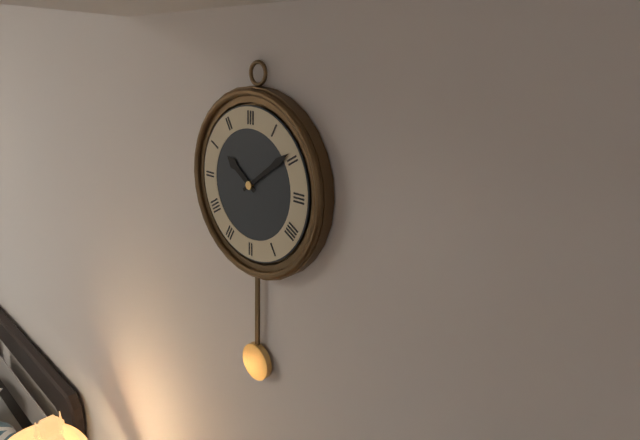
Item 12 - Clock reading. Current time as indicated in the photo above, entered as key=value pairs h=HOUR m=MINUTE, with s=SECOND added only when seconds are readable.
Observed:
h=10 m=9
